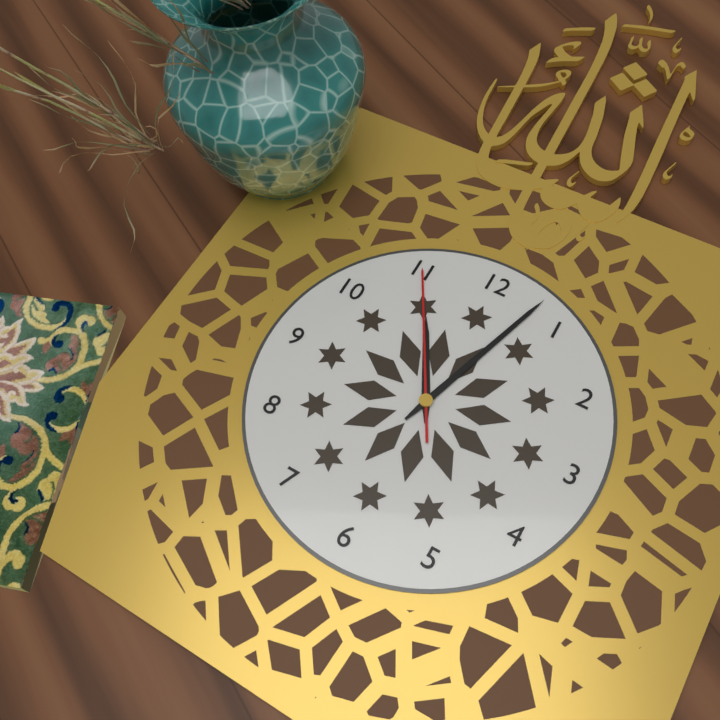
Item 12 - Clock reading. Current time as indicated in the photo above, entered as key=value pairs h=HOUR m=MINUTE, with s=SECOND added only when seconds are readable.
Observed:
h=11 m=3 s=55
